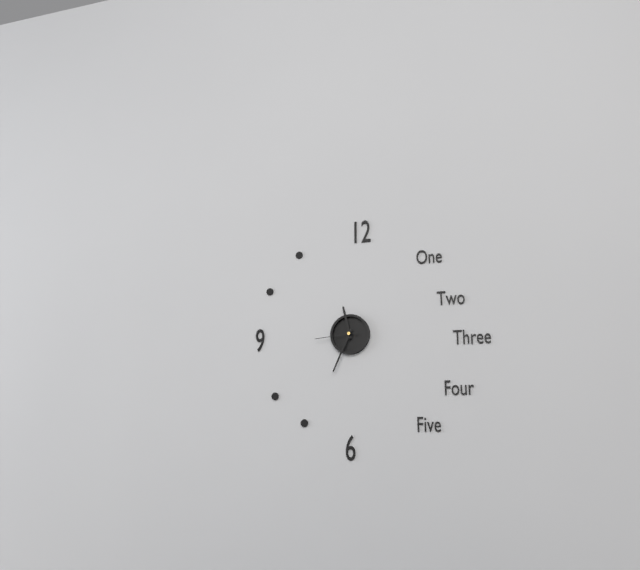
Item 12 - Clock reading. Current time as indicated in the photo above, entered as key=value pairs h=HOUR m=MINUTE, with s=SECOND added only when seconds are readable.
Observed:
h=11 m=34
